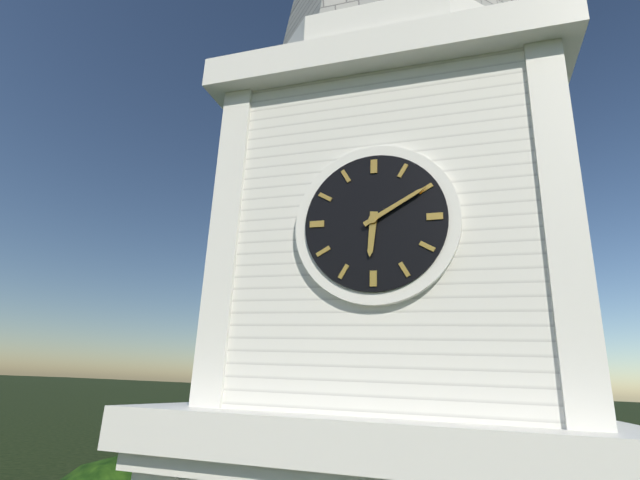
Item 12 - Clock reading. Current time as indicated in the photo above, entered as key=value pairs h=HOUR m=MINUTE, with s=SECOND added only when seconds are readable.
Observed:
h=6 m=10
